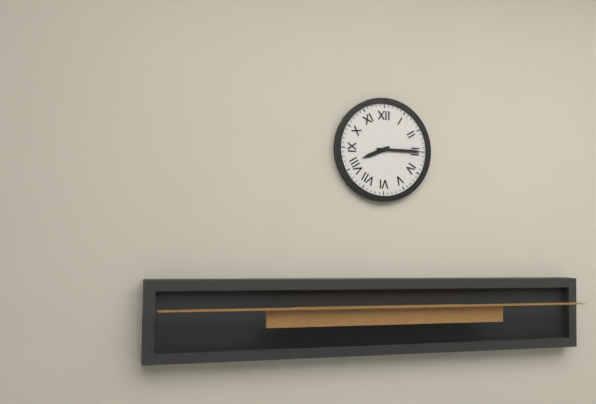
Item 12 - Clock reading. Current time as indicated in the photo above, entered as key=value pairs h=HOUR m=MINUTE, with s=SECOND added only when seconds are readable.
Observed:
h=8 m=15
